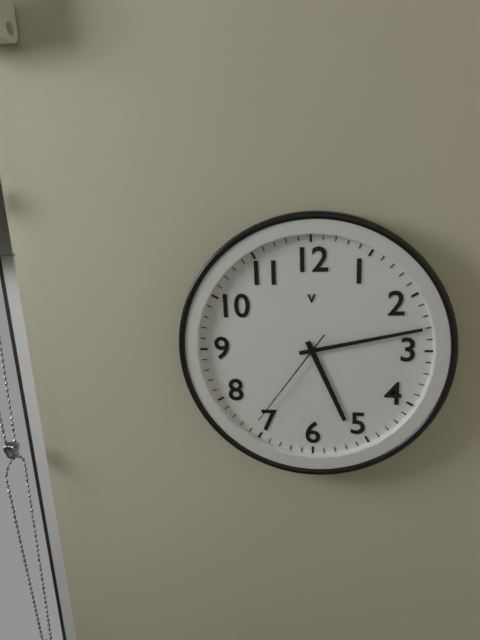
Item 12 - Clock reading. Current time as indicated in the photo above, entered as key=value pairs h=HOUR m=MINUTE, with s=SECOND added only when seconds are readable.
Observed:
h=5 m=13 s=36
